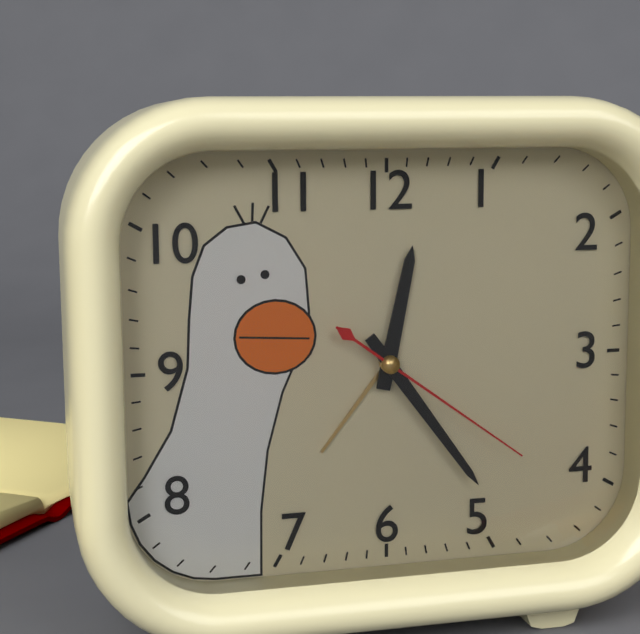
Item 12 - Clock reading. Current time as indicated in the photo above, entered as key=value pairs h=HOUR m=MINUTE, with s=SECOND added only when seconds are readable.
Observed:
h=12 m=24 s=21
